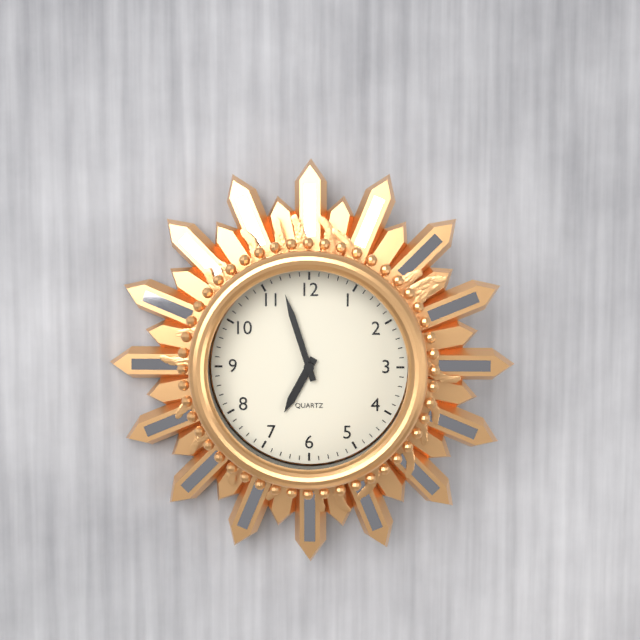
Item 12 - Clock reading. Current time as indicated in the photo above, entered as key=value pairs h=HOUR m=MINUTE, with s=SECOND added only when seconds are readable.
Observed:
h=6 m=57
